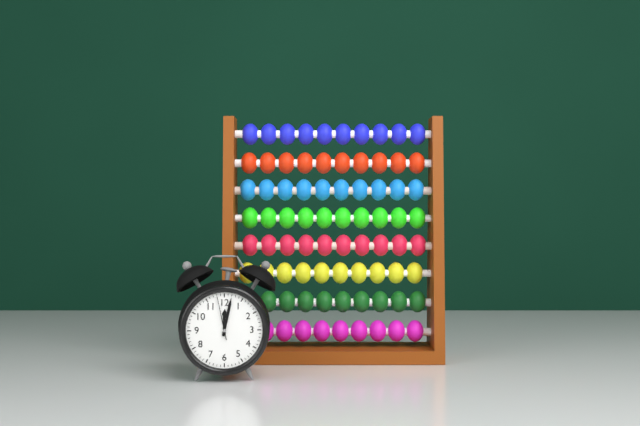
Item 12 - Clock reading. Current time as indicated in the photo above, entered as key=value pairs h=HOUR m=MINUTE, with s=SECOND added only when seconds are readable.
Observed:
h=12 m=2
